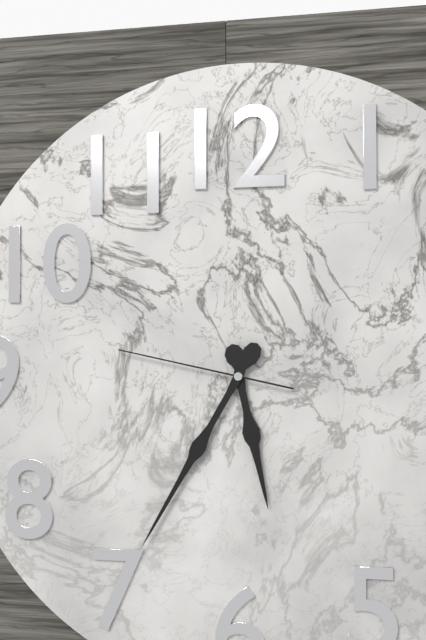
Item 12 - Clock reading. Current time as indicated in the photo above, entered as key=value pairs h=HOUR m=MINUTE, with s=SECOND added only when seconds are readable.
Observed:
h=5 m=35 s=47
